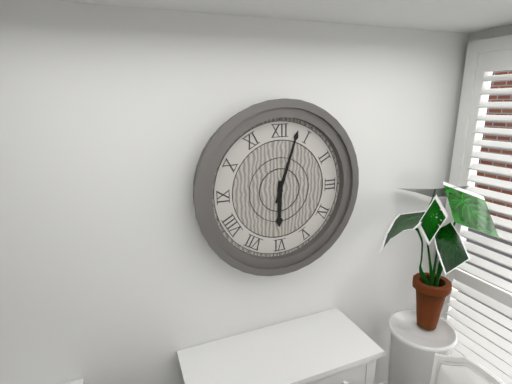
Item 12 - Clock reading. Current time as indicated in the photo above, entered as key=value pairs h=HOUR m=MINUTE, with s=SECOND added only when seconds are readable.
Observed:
h=6 m=3
